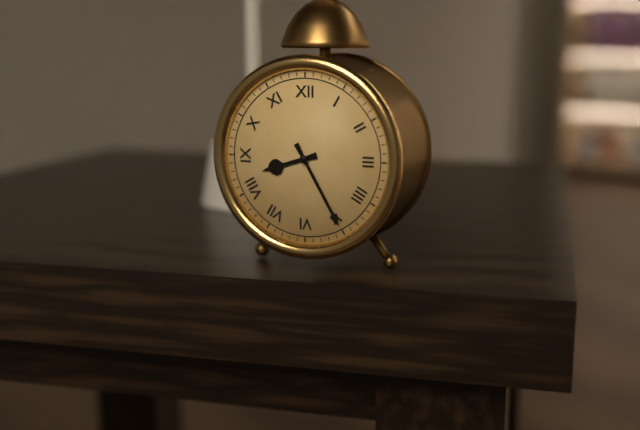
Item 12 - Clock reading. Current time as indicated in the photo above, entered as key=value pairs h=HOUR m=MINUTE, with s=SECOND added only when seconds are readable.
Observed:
h=8 m=25
